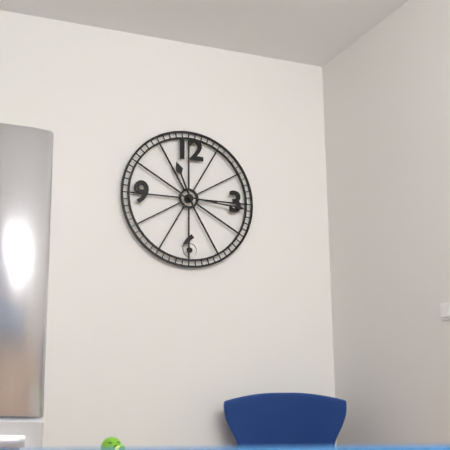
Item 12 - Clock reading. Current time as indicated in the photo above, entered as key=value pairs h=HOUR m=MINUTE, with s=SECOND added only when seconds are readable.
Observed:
h=11 m=16
